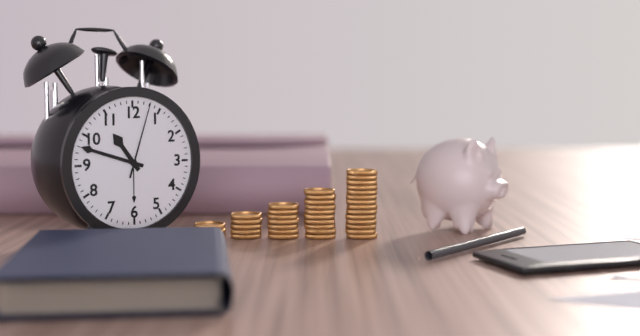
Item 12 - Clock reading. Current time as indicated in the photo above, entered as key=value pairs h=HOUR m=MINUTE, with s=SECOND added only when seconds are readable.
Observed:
h=10 m=48 s=3
